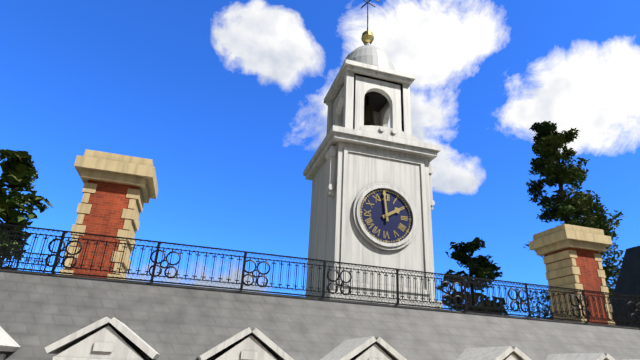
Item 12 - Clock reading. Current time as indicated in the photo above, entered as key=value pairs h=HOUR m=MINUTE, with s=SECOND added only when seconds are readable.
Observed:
h=1 m=59
